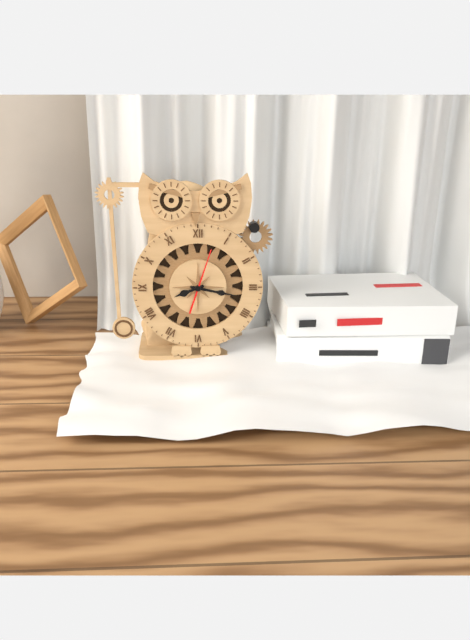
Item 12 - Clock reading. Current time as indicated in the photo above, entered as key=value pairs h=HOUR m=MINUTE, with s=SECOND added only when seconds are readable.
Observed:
h=8 m=17
